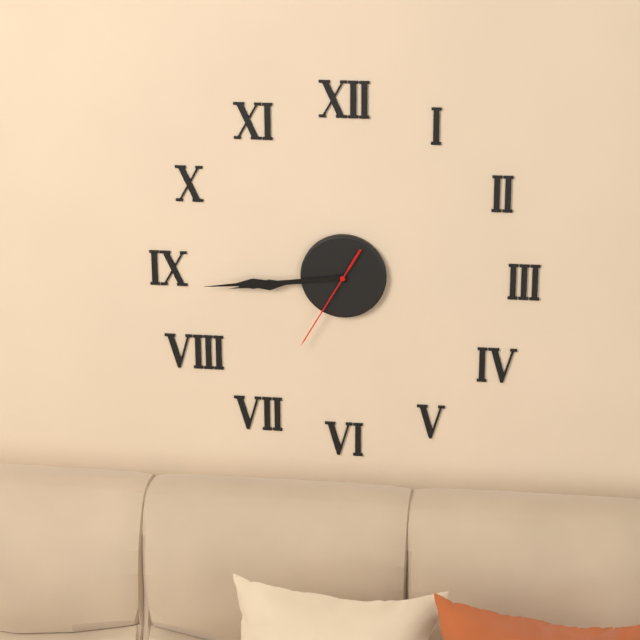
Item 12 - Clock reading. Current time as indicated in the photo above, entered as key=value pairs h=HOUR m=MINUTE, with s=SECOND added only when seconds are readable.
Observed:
h=8 m=44 s=35
